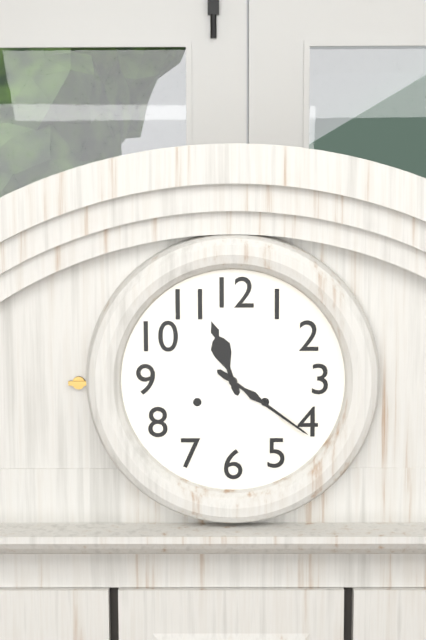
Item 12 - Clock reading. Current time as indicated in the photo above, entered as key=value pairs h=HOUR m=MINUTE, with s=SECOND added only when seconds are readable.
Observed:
h=11 m=21
